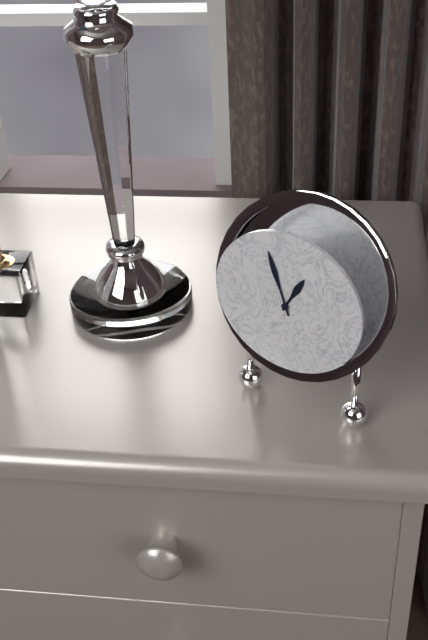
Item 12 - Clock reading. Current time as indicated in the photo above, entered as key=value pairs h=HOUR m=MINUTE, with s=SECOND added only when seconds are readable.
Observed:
h=12 m=57
